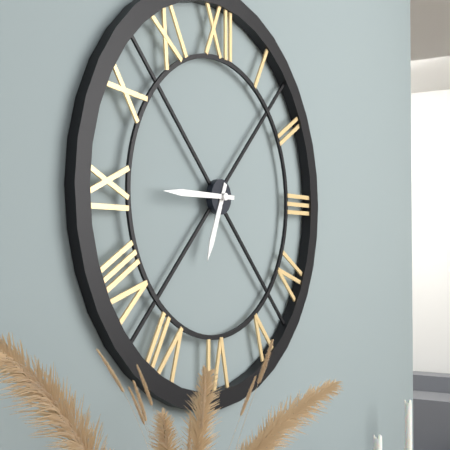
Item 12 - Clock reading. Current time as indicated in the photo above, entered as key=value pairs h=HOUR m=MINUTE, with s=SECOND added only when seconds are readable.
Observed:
h=6 m=45
